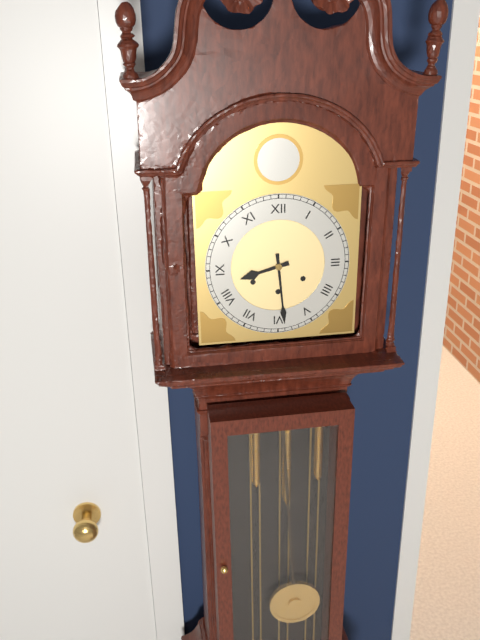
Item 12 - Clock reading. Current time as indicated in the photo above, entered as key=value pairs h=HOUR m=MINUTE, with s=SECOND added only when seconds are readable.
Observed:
h=8 m=29
